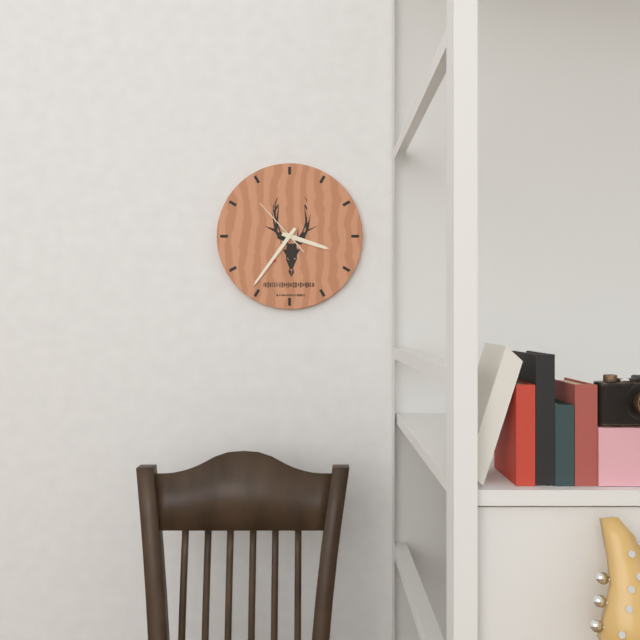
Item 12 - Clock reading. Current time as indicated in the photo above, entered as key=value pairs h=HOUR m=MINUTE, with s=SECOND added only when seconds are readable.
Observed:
h=3 m=36 s=53
